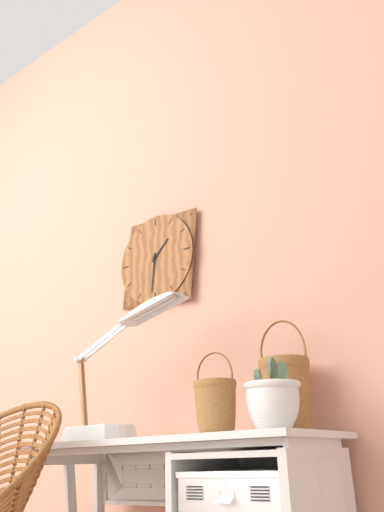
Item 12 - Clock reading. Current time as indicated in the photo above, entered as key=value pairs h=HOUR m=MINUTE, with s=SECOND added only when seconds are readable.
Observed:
h=1 m=31
